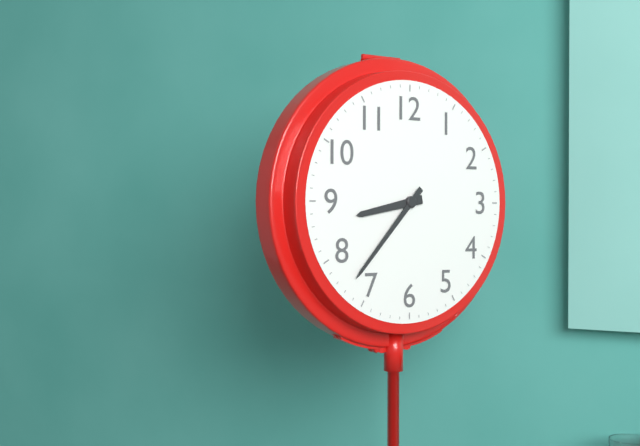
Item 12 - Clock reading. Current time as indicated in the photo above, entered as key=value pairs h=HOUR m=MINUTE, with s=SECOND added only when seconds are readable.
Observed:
h=8 m=37
